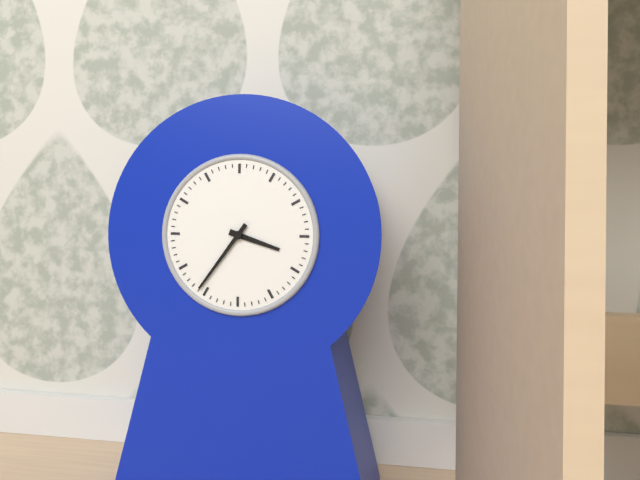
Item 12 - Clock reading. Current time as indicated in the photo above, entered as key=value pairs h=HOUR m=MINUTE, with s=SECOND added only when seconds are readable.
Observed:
h=3 m=36
